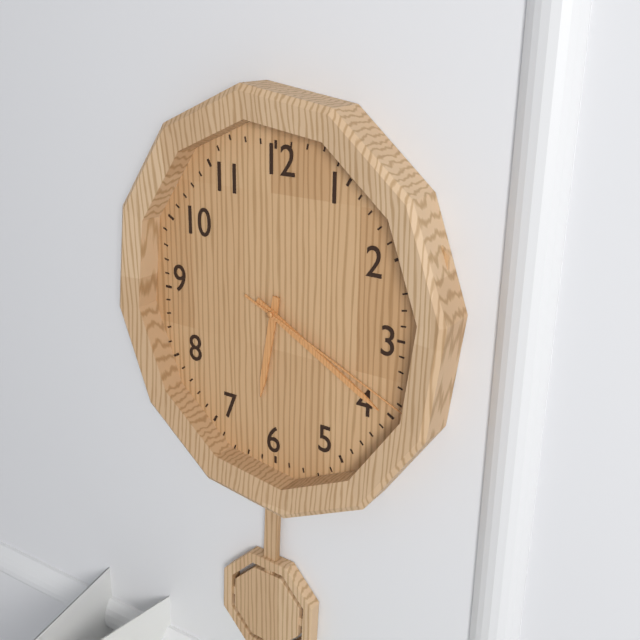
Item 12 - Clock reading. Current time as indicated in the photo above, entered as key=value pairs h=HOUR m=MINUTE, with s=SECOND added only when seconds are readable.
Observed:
h=6 m=20 s=19
